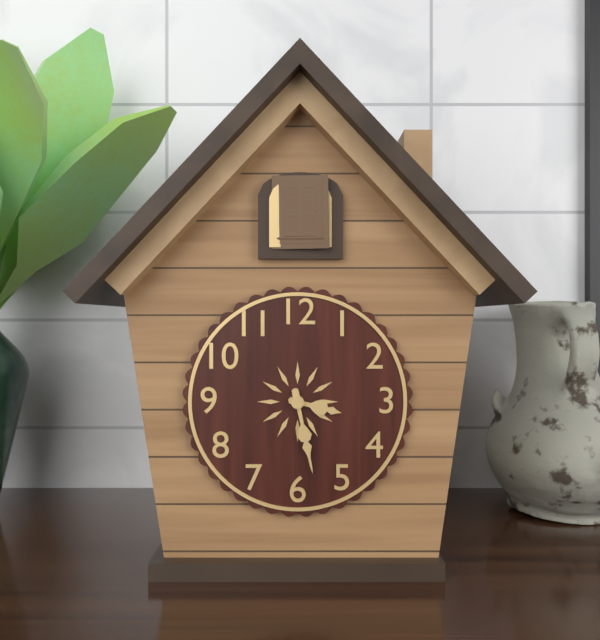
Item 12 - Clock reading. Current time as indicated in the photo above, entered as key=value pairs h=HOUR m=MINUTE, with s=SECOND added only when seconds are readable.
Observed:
h=3 m=28
